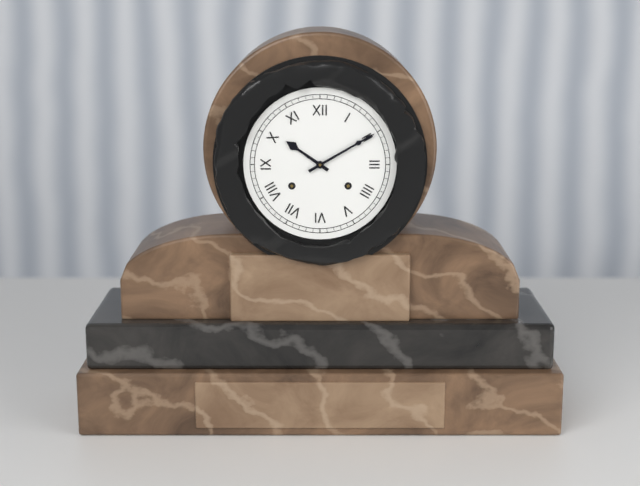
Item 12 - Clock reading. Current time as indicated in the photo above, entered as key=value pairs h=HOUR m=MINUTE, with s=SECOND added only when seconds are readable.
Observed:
h=10 m=10
